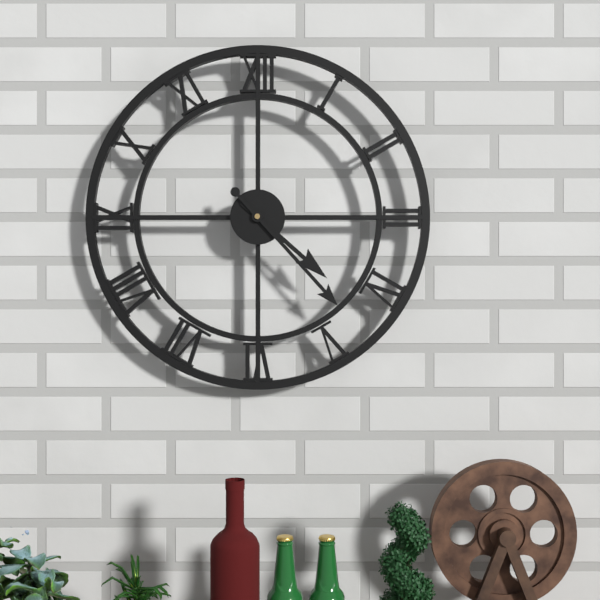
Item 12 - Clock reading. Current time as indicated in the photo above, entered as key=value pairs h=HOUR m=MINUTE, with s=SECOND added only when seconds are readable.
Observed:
h=4 m=23
